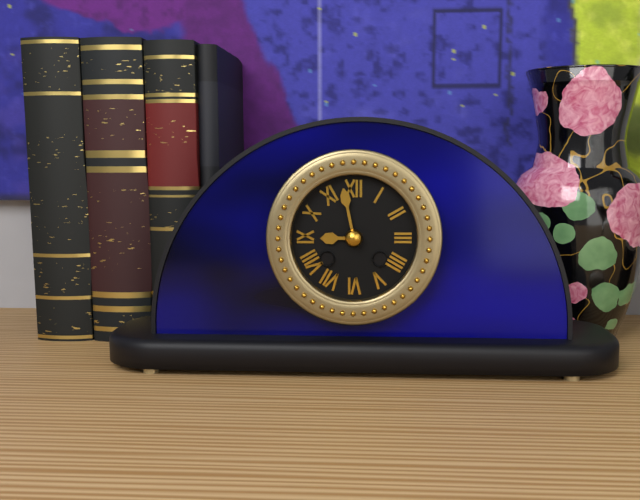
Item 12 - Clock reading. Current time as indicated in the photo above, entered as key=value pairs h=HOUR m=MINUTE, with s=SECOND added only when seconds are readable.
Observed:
h=8 m=58
